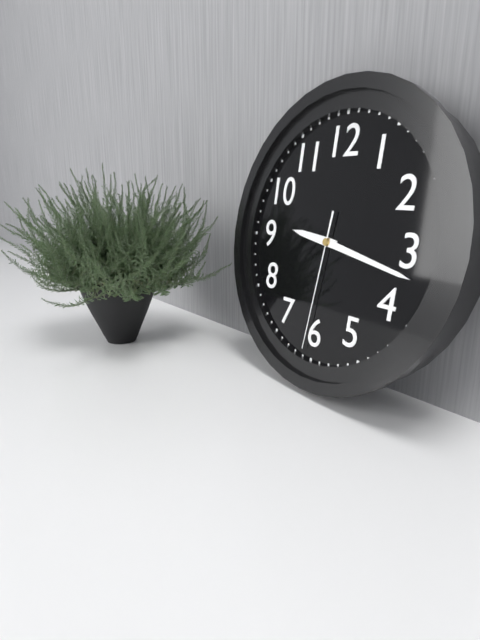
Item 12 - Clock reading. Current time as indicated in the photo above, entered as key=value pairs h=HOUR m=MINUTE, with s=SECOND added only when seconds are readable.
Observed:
h=9 m=17 s=31
